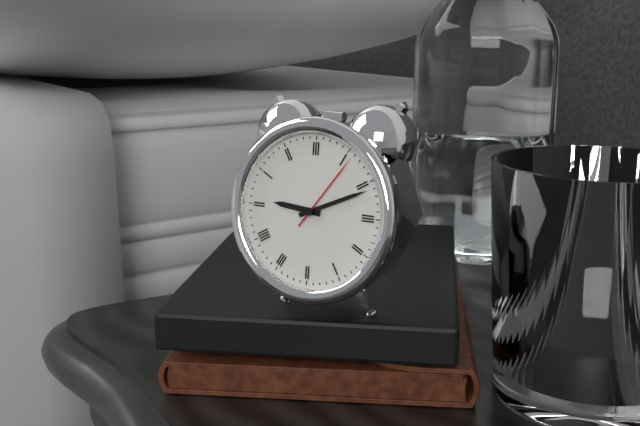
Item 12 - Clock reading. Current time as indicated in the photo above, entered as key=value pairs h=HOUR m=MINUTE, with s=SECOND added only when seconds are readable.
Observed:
h=9 m=11 s=6
